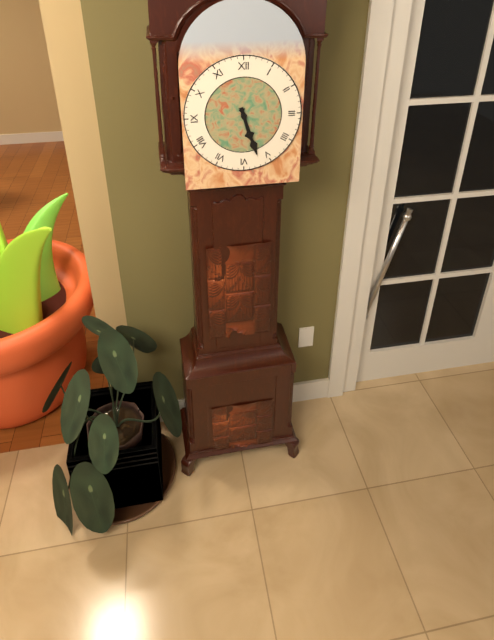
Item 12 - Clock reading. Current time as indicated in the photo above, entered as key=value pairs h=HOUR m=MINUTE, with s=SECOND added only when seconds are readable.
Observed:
h=5 m=27
